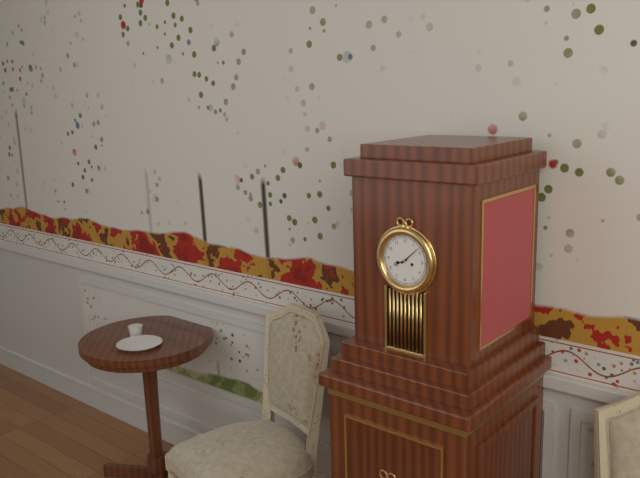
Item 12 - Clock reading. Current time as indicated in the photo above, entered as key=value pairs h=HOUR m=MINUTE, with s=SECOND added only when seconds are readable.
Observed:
h=8 m=8
